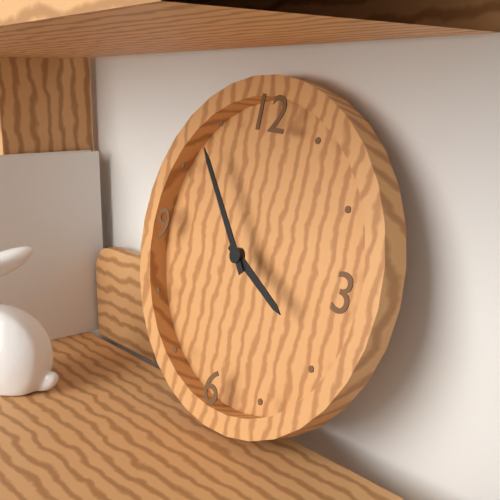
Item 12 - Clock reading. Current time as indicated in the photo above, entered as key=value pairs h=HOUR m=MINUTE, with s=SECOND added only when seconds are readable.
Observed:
h=3 m=53
